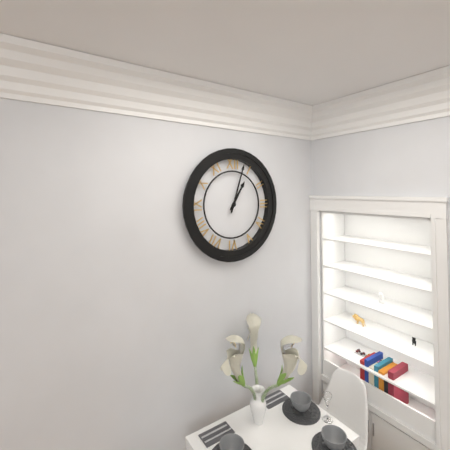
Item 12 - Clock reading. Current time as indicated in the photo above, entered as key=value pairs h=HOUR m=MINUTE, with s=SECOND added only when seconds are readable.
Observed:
h=1 m=3
